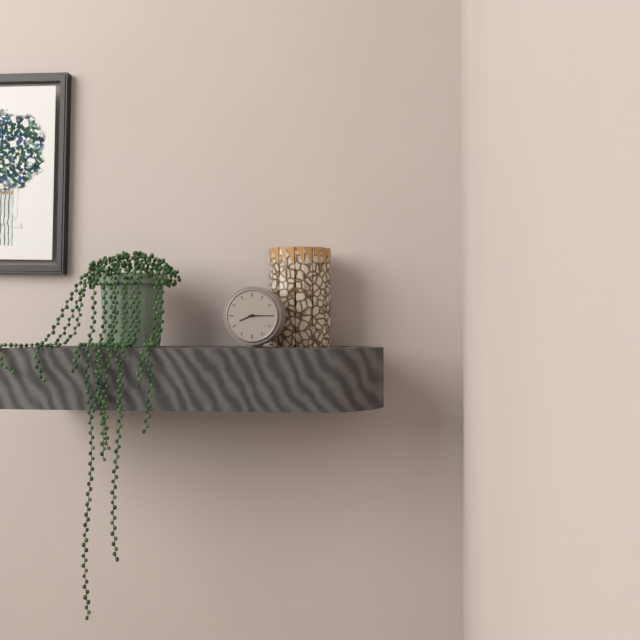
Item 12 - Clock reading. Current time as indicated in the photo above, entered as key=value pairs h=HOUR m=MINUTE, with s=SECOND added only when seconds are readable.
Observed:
h=8 m=15
